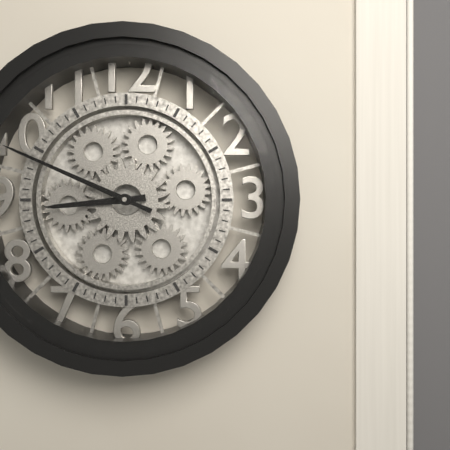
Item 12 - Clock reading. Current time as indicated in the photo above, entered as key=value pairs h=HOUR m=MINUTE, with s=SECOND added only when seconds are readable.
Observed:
h=8 m=49
